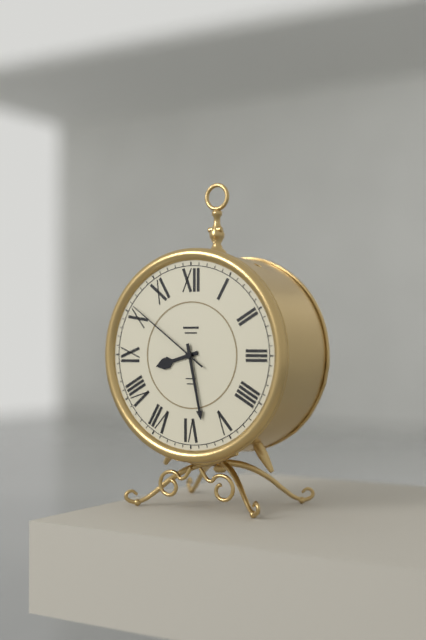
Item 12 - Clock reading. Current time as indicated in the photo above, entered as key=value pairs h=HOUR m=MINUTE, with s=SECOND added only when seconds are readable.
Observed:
h=8 m=28 s=51
